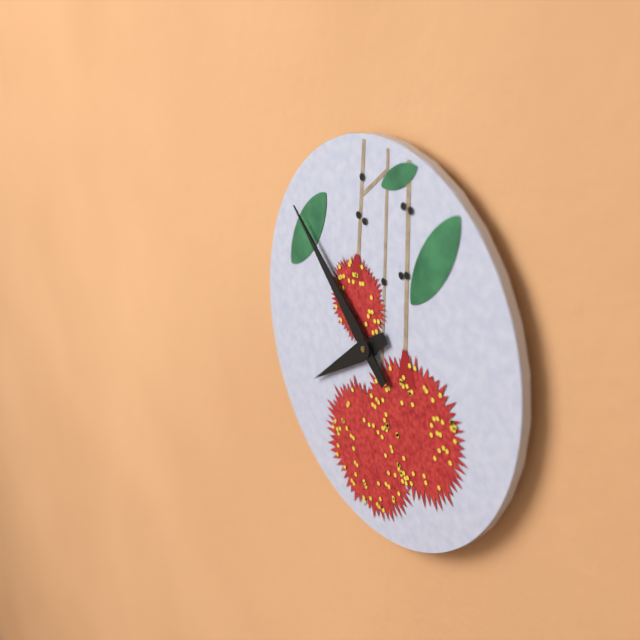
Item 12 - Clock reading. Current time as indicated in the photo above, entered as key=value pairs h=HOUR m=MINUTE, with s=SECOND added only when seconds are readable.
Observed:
h=7 m=52
